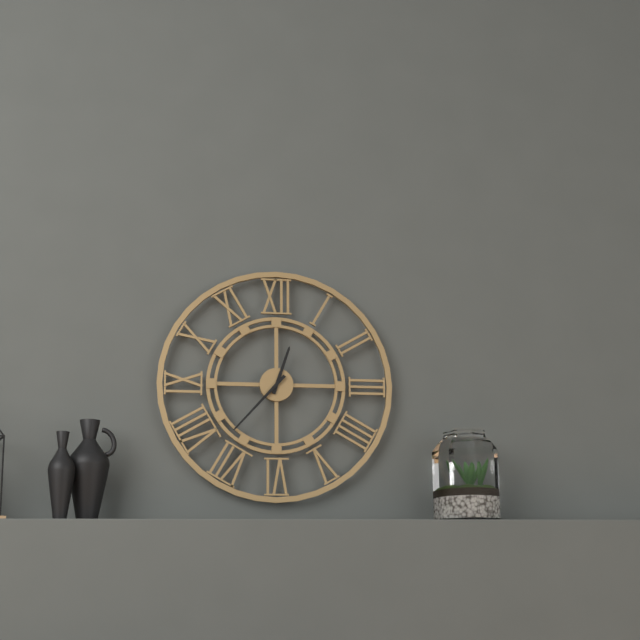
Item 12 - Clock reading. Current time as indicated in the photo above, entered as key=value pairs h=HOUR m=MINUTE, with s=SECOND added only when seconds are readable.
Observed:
h=12 m=37
